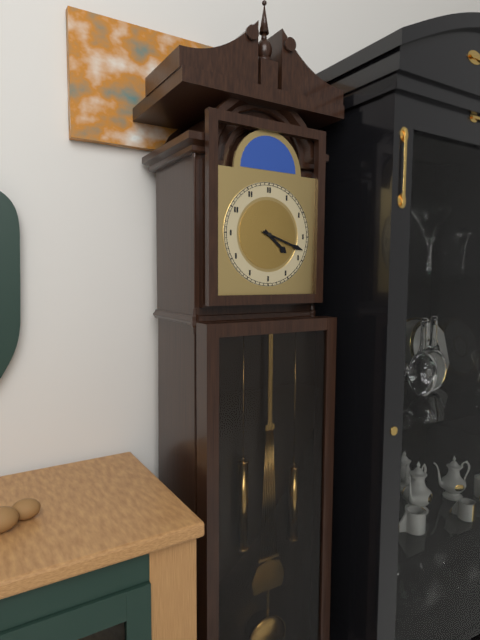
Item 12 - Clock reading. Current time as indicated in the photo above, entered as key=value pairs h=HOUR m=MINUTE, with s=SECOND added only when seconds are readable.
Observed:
h=4 m=18
